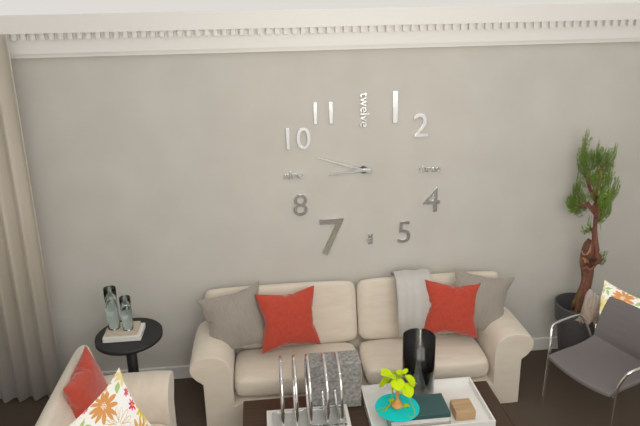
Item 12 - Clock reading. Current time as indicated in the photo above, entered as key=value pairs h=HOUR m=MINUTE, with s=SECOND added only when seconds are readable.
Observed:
h=8 m=48
